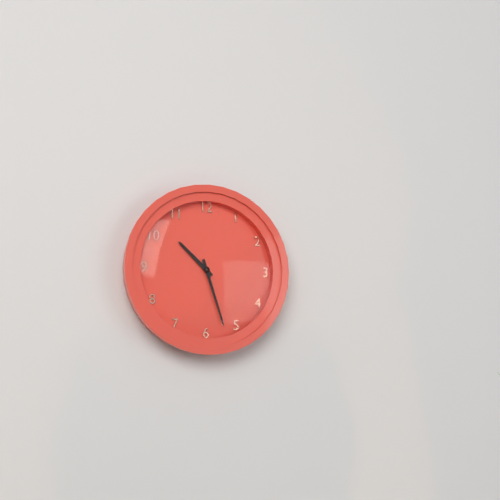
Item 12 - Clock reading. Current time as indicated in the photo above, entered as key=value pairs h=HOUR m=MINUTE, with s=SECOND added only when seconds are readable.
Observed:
h=10 m=27
